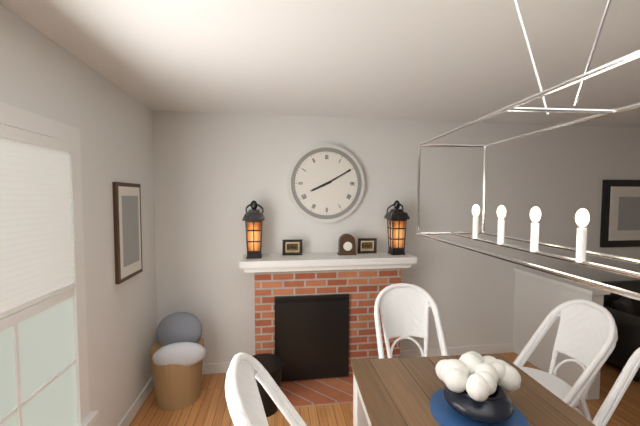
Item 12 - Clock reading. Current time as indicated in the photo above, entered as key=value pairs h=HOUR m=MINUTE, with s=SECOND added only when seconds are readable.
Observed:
h=8 m=10
